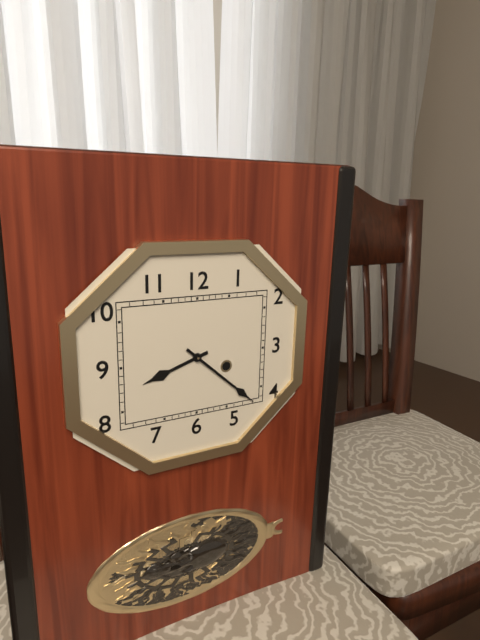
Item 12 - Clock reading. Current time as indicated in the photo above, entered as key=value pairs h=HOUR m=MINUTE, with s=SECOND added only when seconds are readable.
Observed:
h=8 m=22
